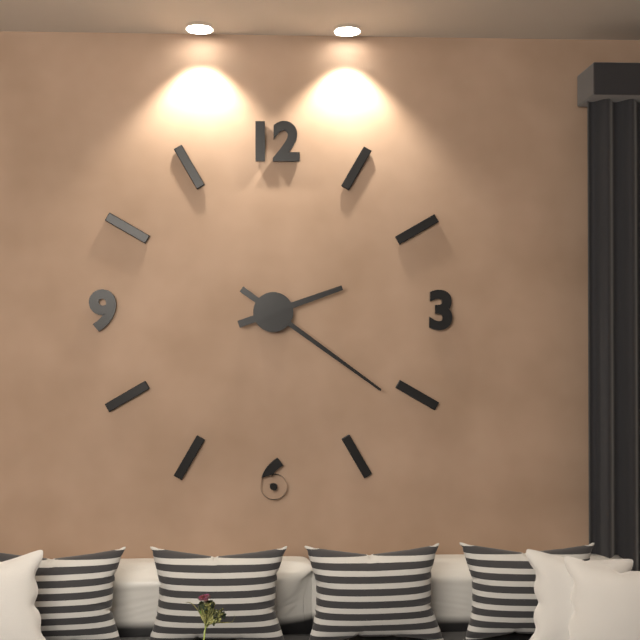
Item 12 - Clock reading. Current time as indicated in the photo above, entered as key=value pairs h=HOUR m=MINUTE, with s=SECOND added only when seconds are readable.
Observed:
h=2 m=21
